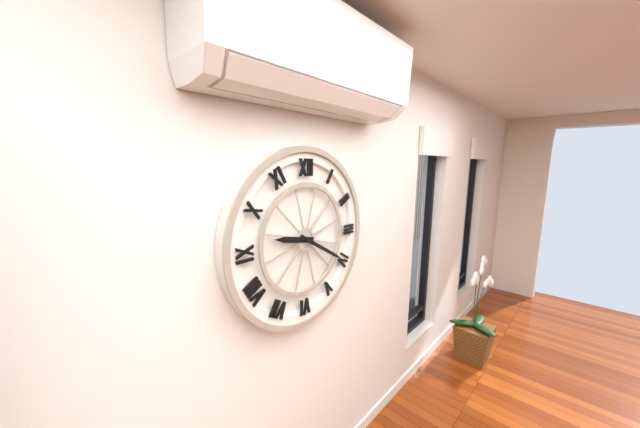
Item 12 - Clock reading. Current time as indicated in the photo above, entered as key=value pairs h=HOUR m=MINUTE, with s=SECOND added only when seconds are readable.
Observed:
h=9 m=20
